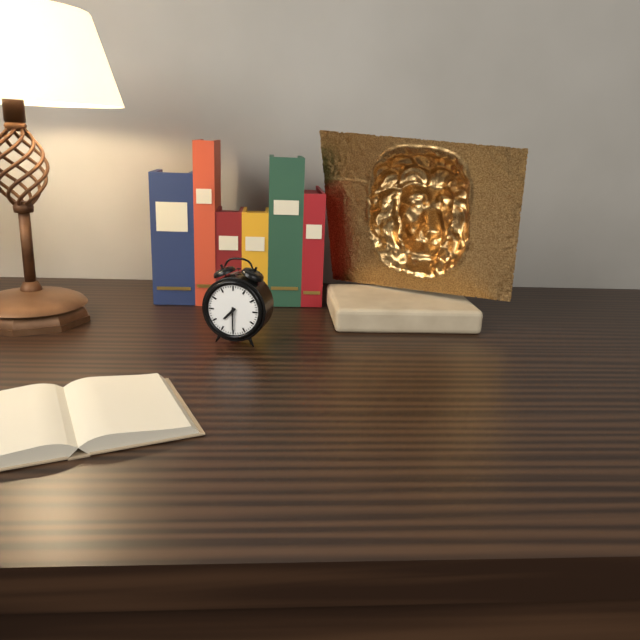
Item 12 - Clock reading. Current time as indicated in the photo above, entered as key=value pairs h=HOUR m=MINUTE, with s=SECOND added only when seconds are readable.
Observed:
h=7 m=30
